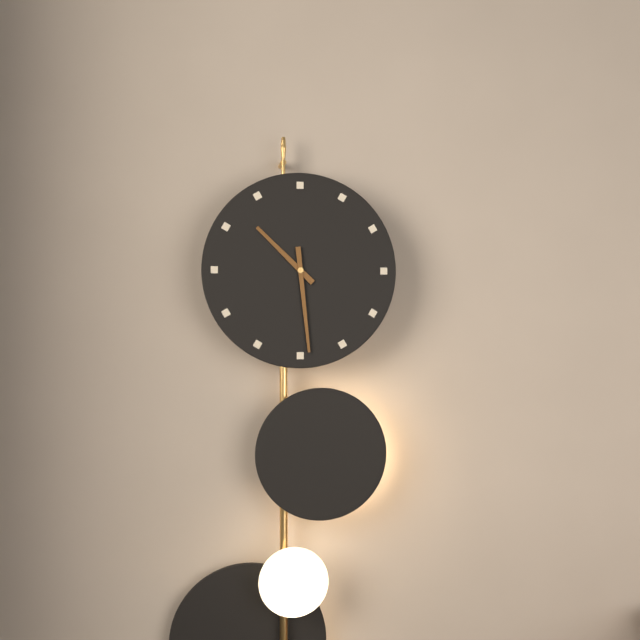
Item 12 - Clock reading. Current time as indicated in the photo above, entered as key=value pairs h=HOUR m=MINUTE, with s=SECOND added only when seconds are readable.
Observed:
h=10 m=29
